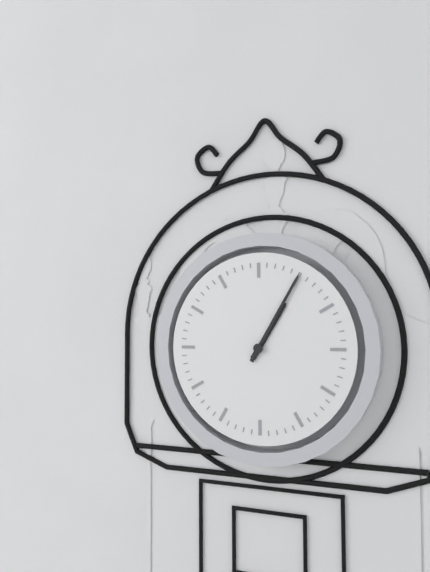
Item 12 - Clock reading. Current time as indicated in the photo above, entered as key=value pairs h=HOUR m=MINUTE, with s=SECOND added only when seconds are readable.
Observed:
h=1 m=5
